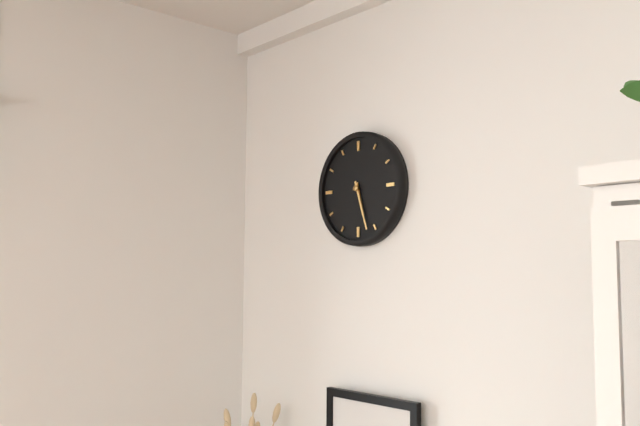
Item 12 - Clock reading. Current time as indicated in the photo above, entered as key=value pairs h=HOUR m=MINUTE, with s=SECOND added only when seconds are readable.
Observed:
h=5 m=27
